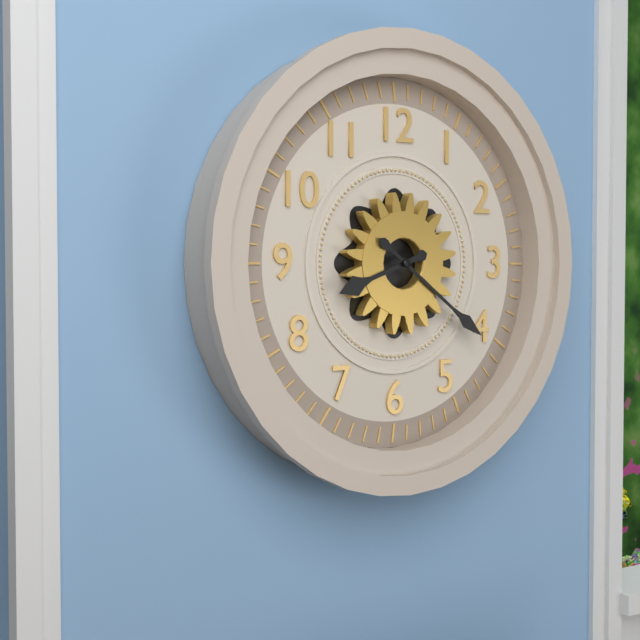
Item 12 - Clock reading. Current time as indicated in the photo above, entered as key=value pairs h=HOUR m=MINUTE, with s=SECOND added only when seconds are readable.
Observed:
h=8 m=21
